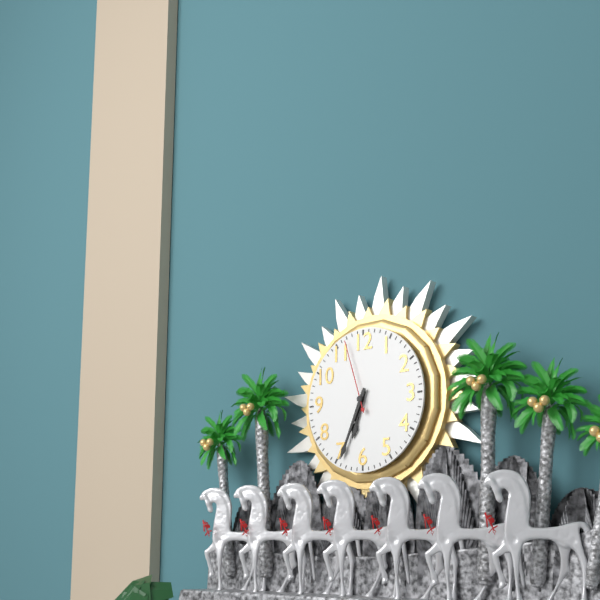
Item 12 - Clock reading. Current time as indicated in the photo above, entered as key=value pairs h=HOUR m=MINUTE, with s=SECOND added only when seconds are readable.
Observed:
h=6 m=34 s=57
